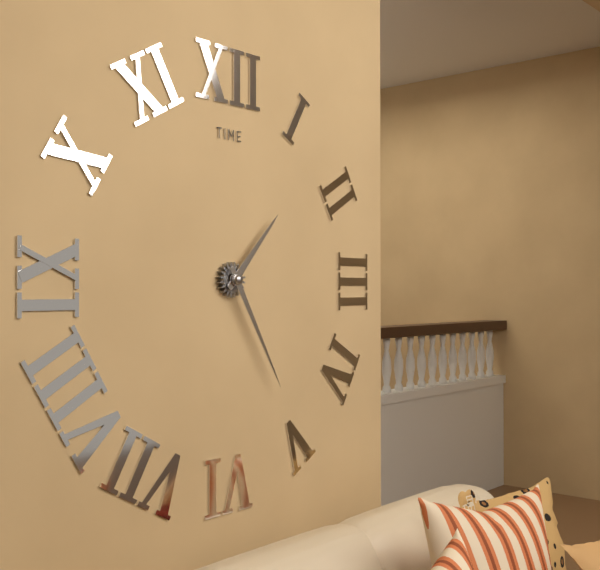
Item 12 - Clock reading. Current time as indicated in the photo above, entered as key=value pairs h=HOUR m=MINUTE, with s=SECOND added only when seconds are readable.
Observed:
h=1 m=25
